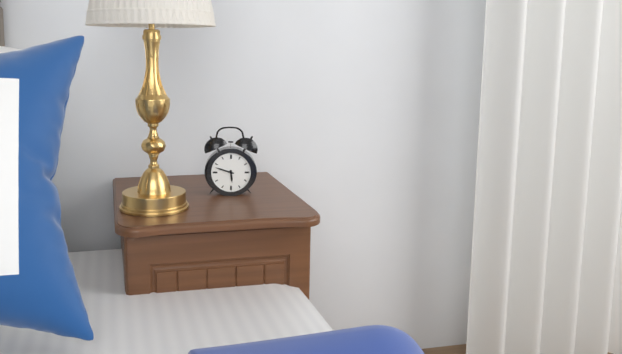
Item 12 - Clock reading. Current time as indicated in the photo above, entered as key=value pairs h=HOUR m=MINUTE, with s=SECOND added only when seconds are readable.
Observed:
h=5 m=48
